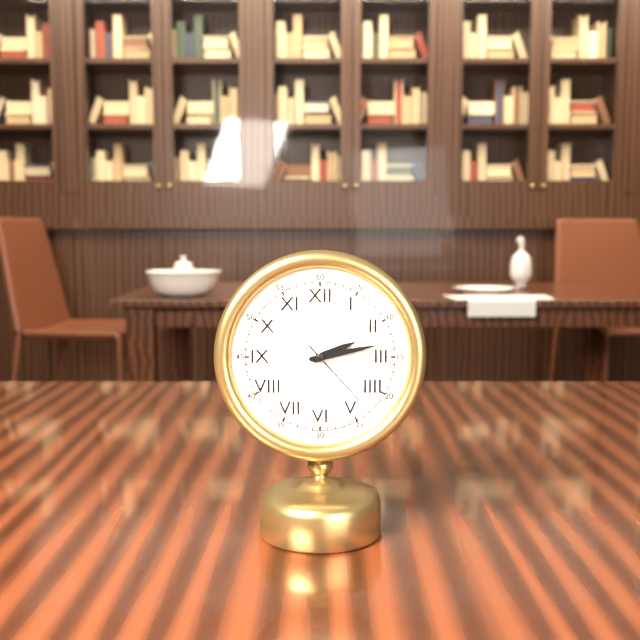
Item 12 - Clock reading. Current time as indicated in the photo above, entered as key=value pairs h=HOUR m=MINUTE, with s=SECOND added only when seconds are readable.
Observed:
h=2 m=13 s=23
